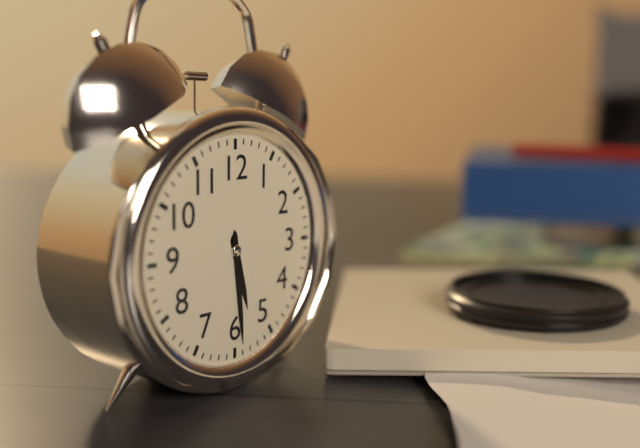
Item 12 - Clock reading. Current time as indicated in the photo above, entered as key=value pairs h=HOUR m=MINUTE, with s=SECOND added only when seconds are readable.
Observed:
h=5 m=29
